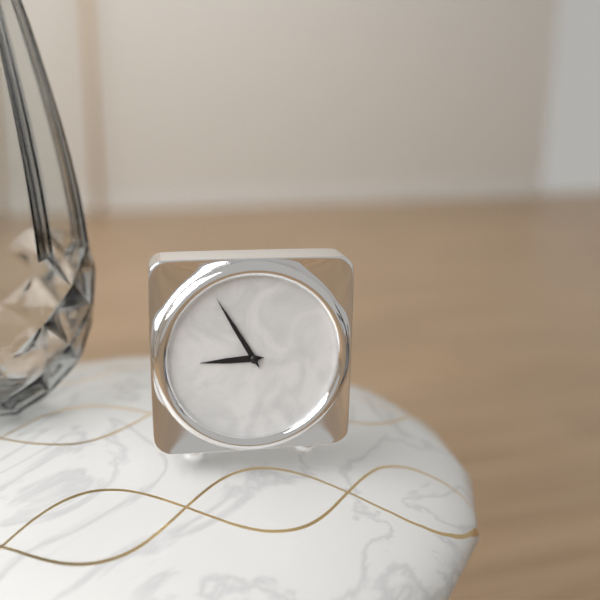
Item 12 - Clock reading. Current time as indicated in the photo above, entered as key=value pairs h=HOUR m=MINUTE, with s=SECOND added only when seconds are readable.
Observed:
h=8 m=55
